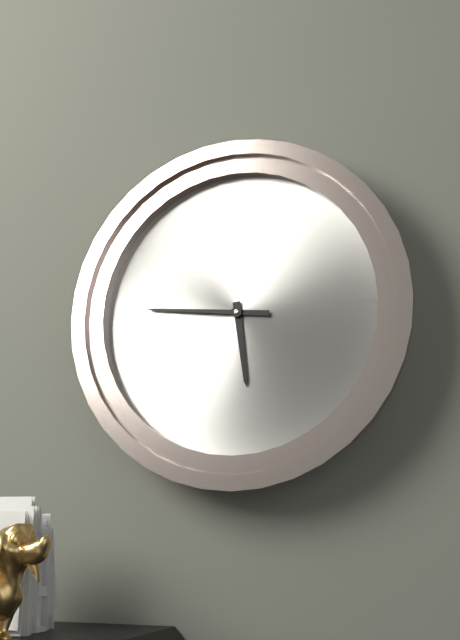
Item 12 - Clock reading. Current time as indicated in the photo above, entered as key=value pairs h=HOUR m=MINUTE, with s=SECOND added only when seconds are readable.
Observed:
h=5 m=46
